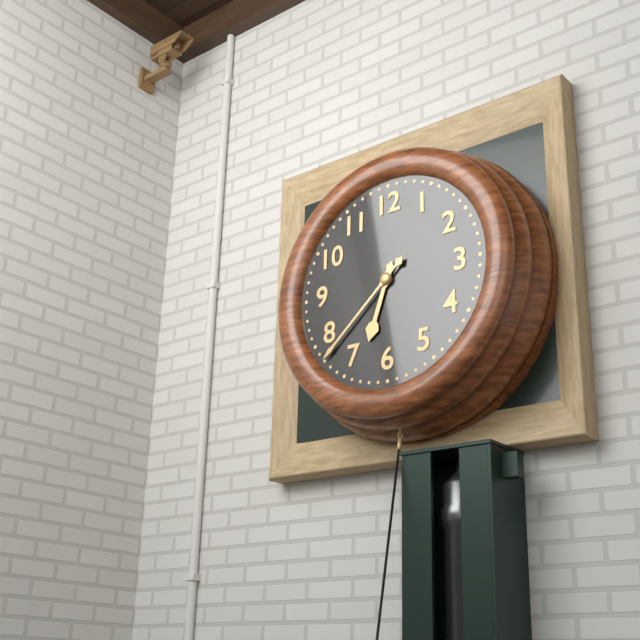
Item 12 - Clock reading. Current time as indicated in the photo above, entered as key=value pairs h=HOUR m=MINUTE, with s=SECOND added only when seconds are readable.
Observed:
h=6 m=38
